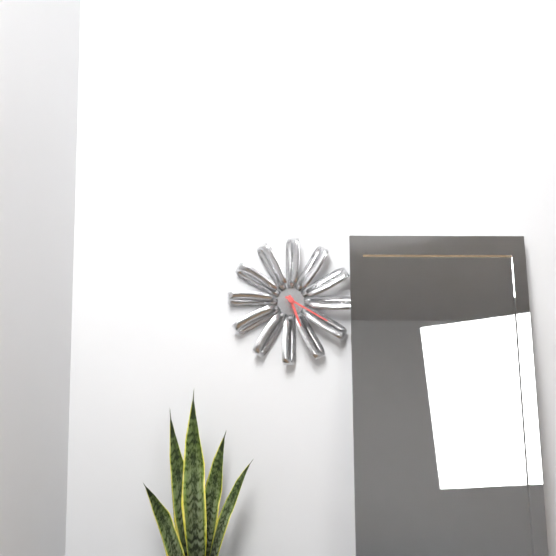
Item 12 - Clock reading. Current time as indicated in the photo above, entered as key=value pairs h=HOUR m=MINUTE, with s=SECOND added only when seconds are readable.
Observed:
h=5 m=20
